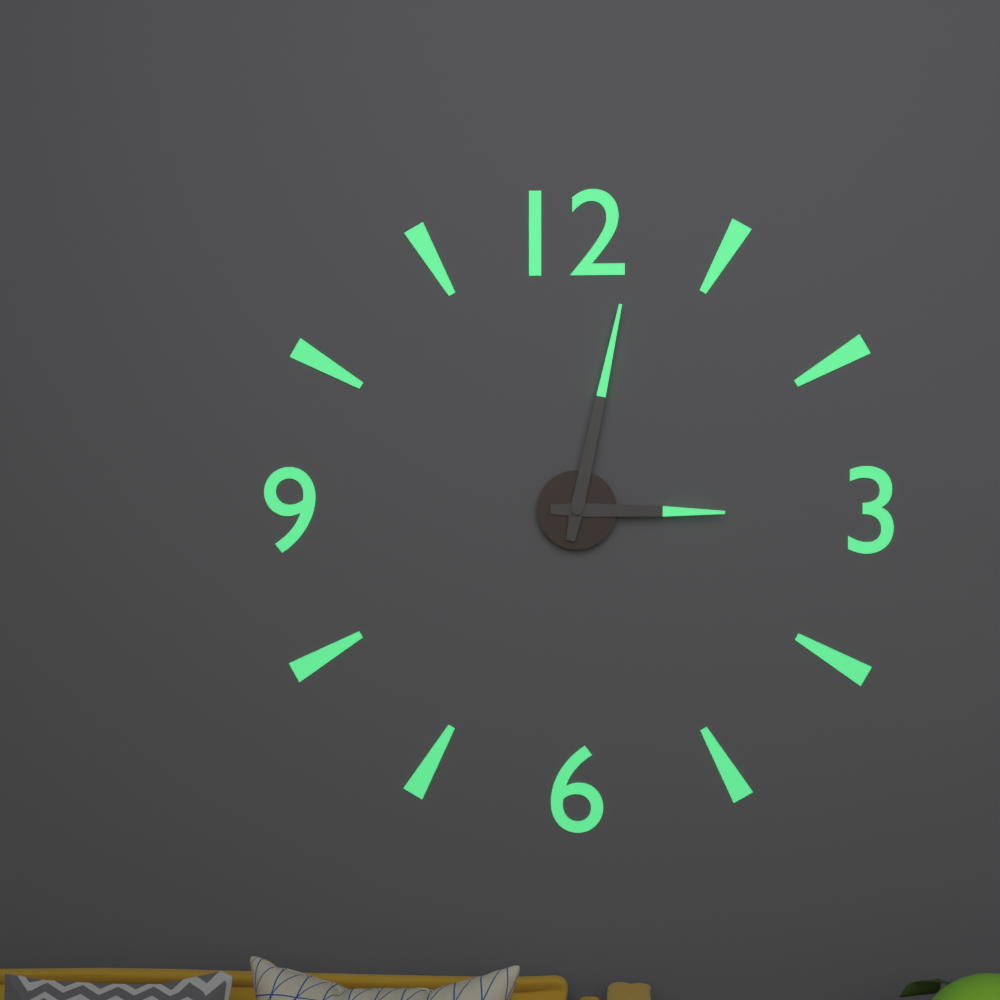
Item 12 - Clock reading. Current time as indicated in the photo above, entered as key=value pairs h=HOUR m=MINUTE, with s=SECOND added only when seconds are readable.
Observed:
h=3 m=2
